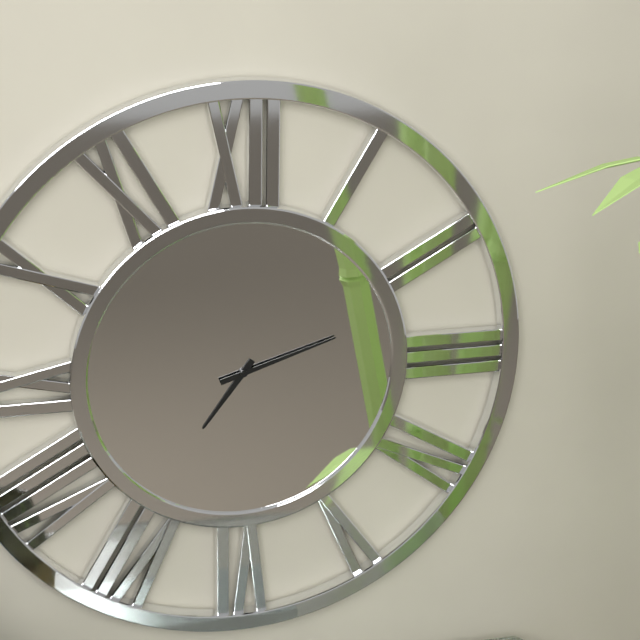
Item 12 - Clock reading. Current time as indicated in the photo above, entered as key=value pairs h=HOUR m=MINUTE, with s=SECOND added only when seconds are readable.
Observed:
h=7 m=12
